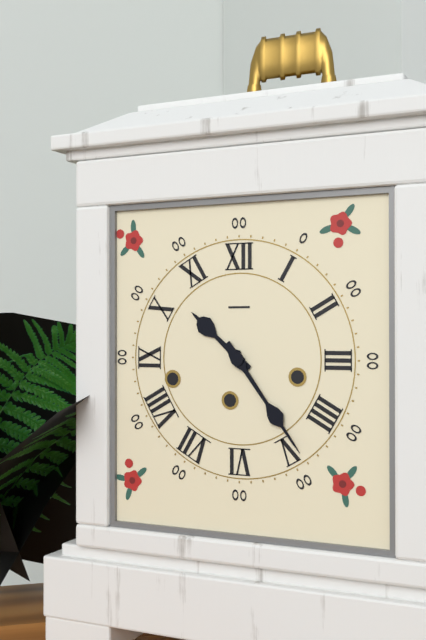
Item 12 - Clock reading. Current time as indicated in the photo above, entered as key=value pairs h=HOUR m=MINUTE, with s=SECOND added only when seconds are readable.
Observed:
h=10 m=24
